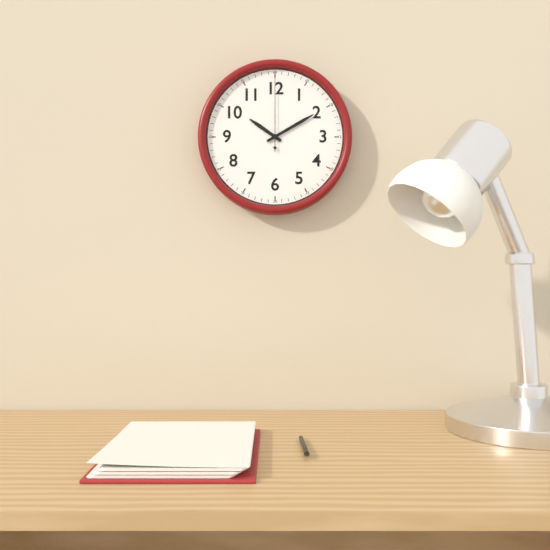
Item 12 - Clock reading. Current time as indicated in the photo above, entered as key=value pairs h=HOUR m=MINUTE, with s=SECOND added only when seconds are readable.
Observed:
h=10 m=10 s=0
